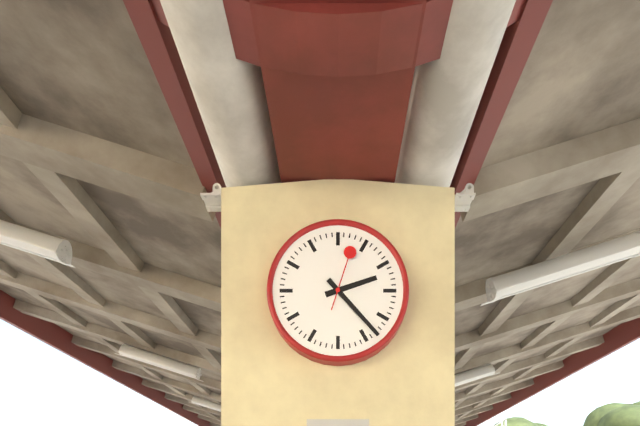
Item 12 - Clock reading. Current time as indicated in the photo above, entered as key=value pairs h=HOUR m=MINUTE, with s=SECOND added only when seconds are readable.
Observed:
h=2 m=23 s=3
